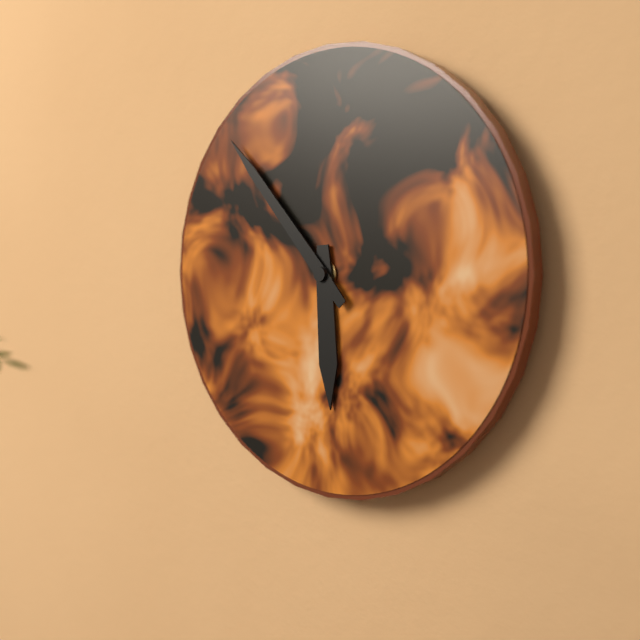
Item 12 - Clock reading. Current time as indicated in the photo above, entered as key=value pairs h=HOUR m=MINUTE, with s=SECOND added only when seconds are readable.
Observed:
h=5 m=53
